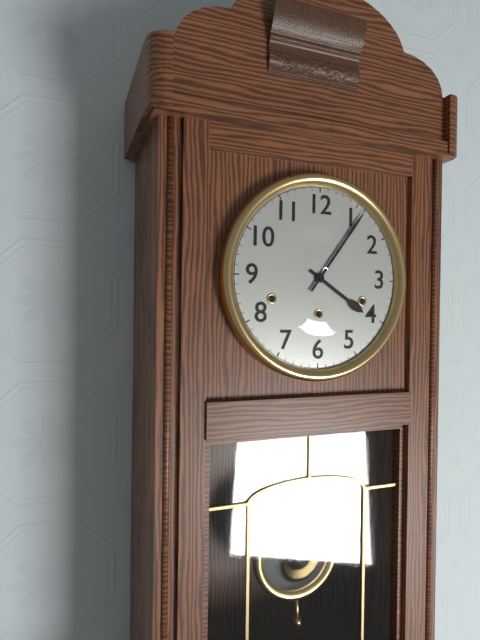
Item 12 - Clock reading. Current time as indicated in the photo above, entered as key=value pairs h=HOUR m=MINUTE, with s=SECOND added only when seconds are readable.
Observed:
h=4 m=6
